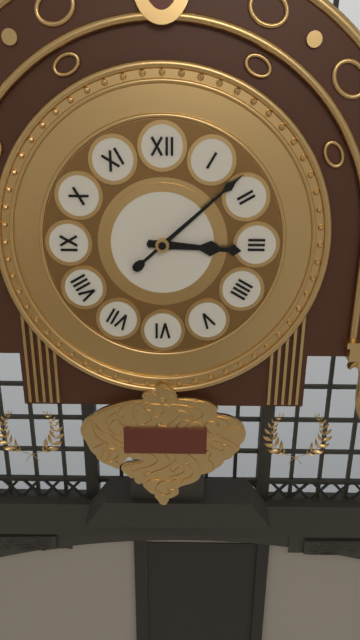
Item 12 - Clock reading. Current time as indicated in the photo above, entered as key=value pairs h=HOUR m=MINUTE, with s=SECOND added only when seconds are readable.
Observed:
h=3 m=8
